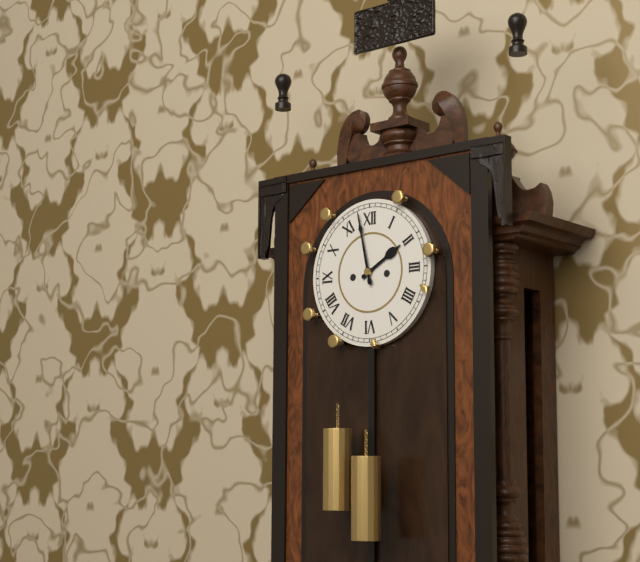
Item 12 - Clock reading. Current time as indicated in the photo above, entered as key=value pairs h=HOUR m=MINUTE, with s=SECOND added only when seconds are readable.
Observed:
h=1 m=58
